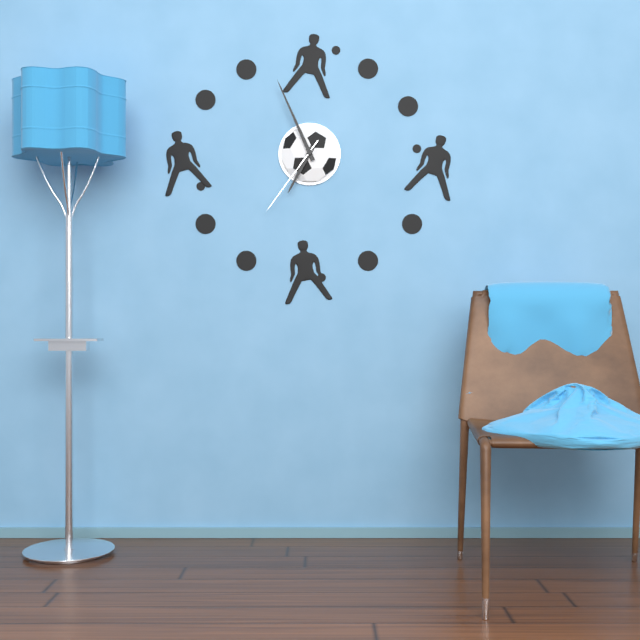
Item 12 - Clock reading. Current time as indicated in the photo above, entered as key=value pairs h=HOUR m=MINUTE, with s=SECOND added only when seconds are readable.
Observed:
h=6 m=56 s=36
